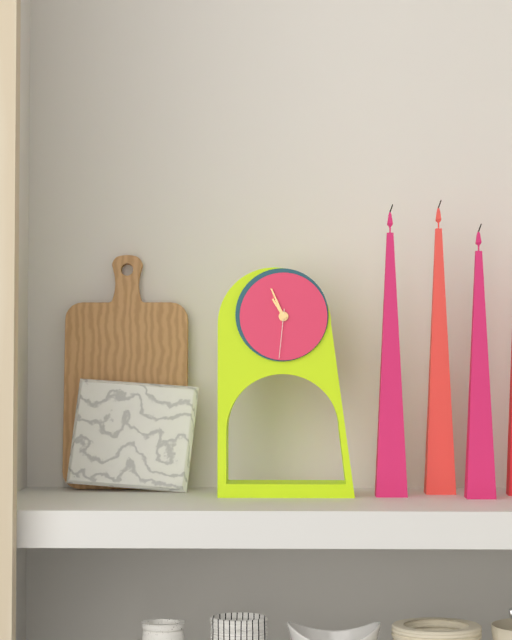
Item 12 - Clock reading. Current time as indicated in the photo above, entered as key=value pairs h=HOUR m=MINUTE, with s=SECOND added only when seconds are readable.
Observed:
h=10 m=56 s=31
